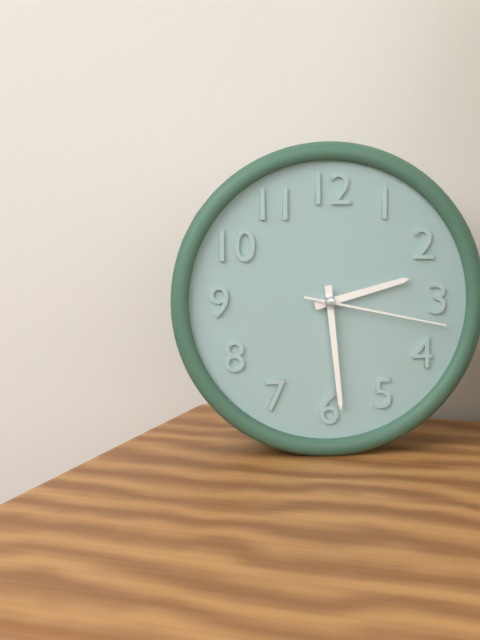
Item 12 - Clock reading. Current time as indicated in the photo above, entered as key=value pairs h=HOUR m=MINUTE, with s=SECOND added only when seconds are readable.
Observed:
h=2 m=29 s=17
